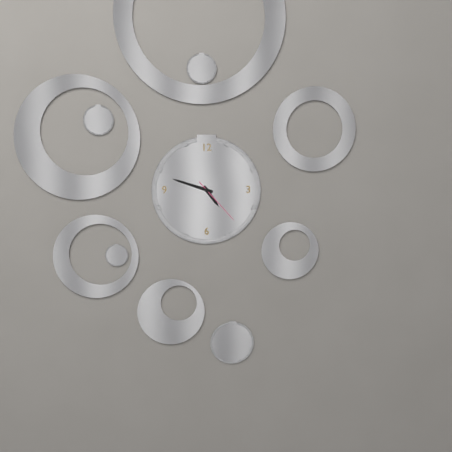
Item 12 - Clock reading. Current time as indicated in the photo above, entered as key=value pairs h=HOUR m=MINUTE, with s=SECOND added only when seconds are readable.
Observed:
h=4 m=48
